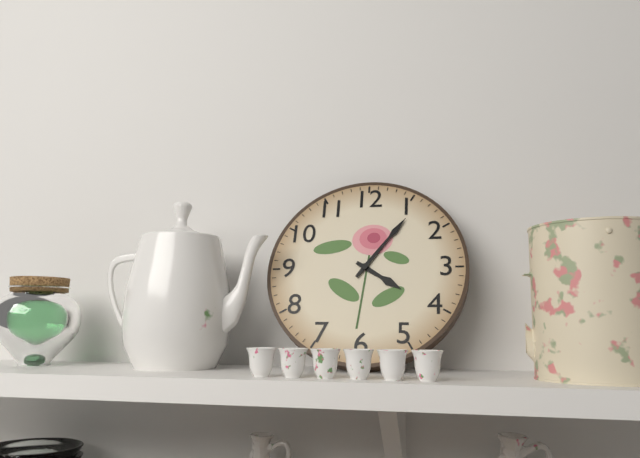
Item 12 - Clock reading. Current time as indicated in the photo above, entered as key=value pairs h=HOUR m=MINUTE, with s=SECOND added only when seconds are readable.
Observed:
h=4 m=6
